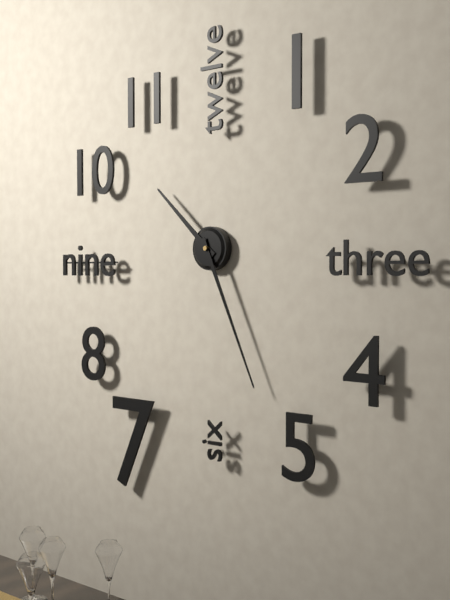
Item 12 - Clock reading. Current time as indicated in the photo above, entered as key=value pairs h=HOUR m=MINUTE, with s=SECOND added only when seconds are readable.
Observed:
h=10 m=26
